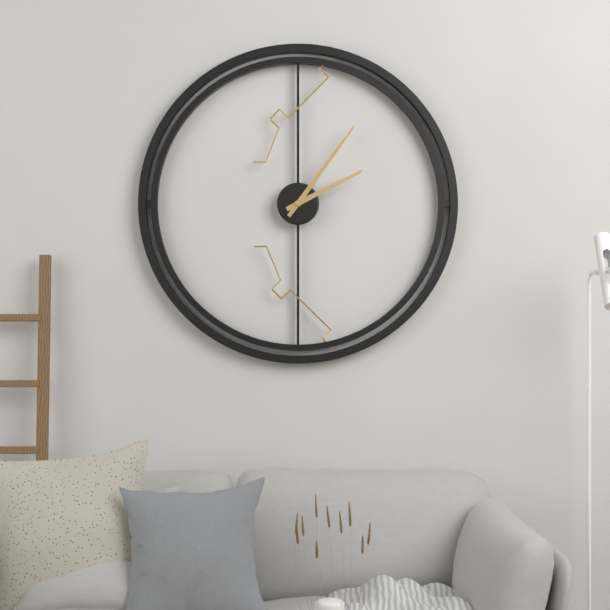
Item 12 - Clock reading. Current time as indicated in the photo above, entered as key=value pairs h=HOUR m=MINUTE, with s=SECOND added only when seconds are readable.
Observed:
h=2 m=6
